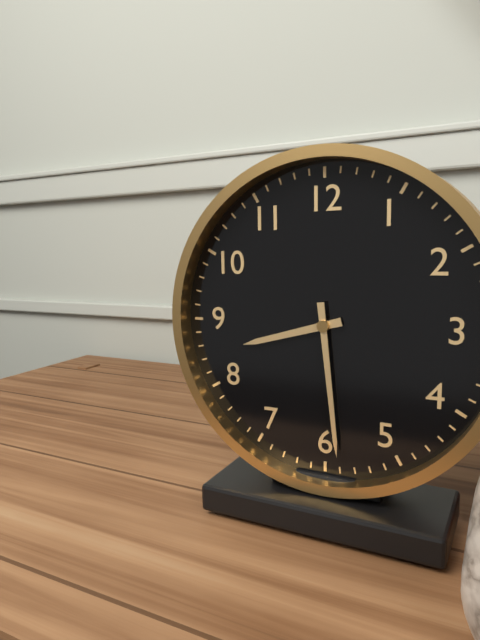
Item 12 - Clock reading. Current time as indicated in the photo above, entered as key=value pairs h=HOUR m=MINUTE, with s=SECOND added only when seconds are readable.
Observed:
h=8 m=29
